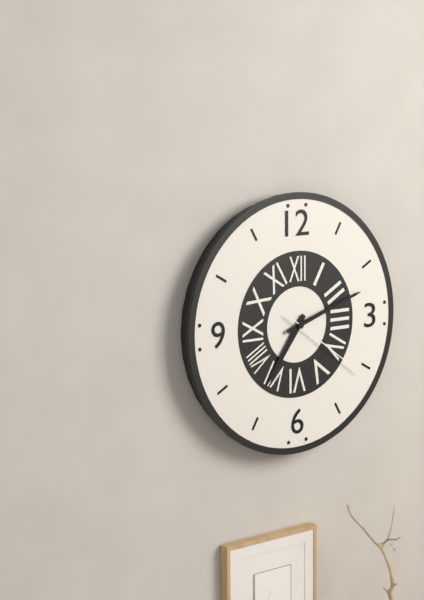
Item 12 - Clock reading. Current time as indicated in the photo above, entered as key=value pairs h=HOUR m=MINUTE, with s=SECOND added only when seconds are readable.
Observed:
h=7 m=12 s=21
